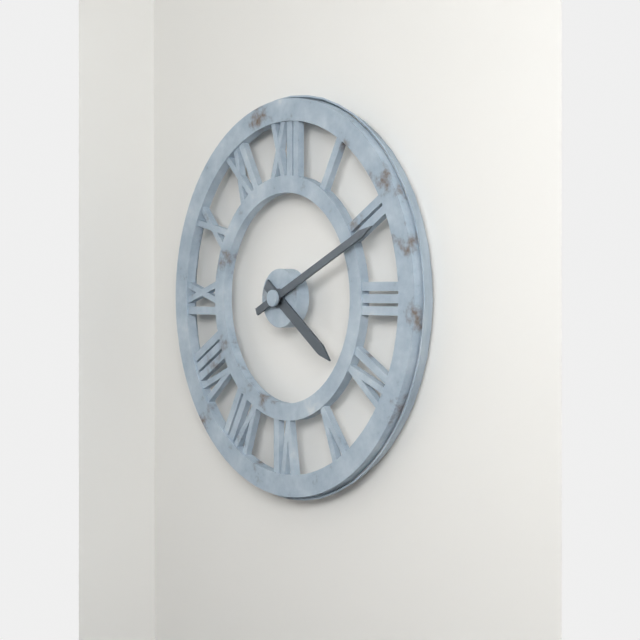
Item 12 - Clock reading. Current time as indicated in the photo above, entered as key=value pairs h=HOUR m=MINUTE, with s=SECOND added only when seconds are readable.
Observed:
h=4 m=11
